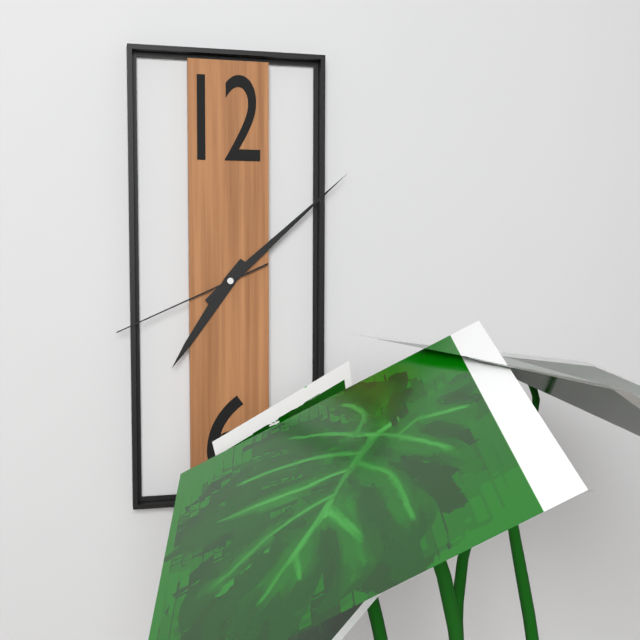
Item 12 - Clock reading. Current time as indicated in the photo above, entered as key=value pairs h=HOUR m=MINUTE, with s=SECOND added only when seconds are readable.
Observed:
h=7 m=8 s=41
